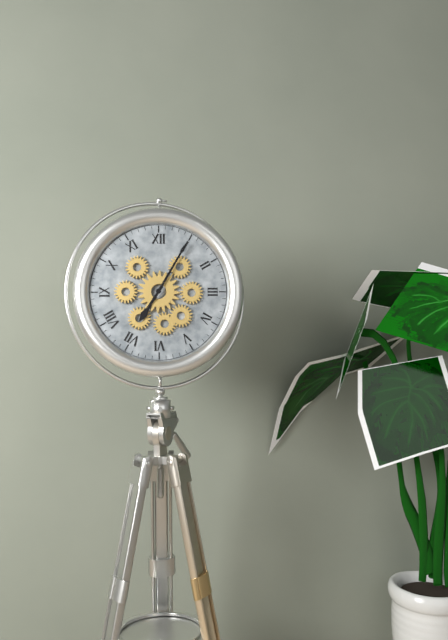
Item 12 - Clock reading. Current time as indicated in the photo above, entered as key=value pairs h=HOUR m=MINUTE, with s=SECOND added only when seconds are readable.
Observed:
h=7 m=5
